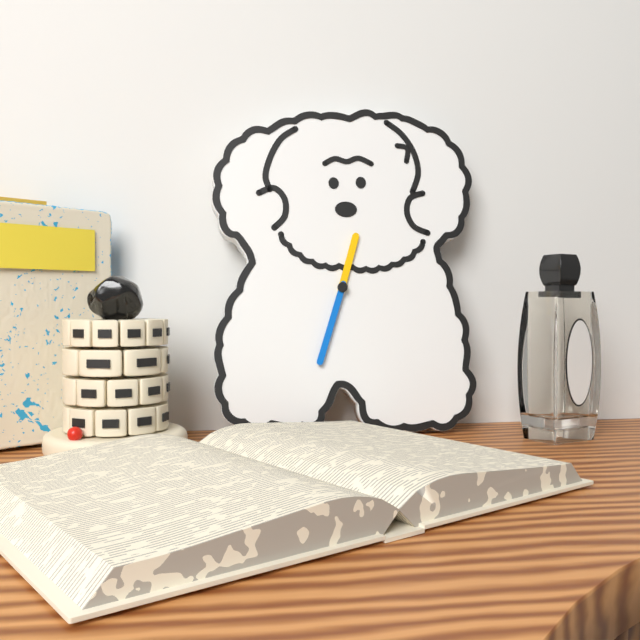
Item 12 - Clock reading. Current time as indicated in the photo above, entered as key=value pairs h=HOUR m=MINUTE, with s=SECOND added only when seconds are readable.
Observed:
h=12 m=33
